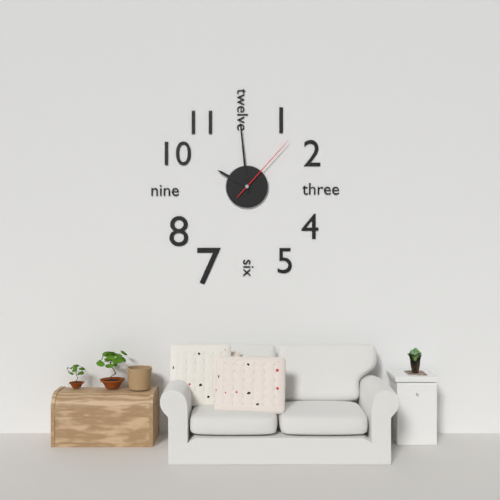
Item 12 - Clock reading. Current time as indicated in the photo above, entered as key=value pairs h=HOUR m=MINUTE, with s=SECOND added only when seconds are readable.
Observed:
h=9 m=59 s=7
